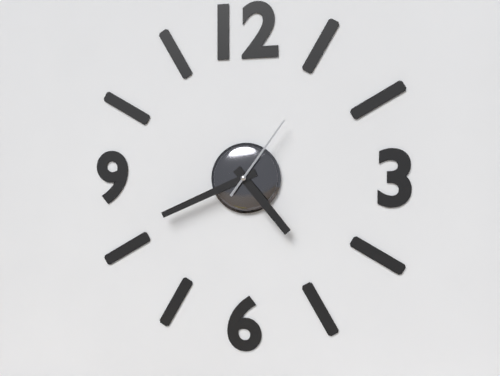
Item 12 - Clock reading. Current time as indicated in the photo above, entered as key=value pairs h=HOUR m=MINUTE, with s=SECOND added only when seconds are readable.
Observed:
h=4 m=41 s=6
